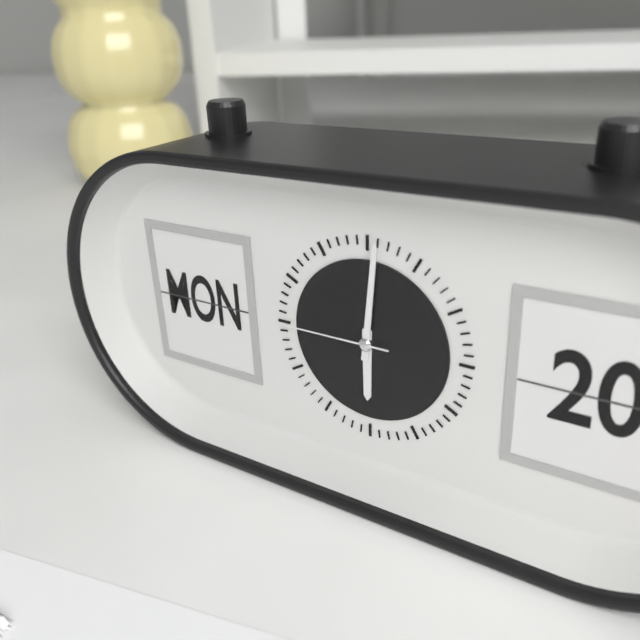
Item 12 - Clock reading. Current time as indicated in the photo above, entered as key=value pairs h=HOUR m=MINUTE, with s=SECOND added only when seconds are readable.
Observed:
h=6 m=1 s=45
